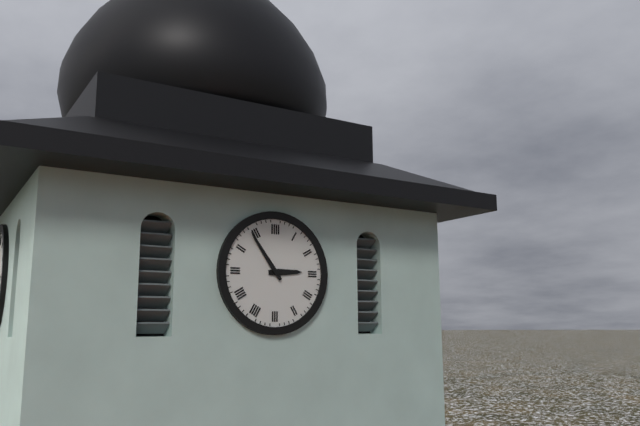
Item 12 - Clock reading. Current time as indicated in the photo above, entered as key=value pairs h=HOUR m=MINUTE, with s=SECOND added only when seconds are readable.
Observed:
h=2 m=54
